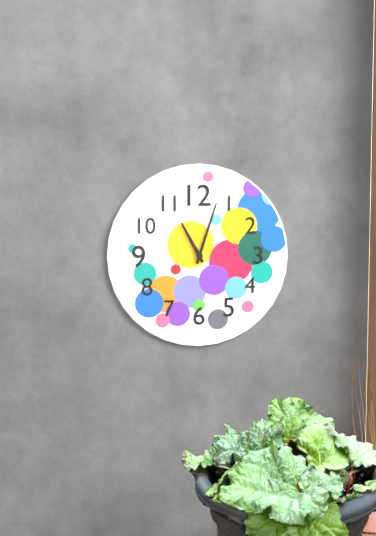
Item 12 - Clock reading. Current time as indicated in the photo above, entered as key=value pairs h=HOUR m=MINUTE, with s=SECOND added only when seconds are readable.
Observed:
h=11 m=3
